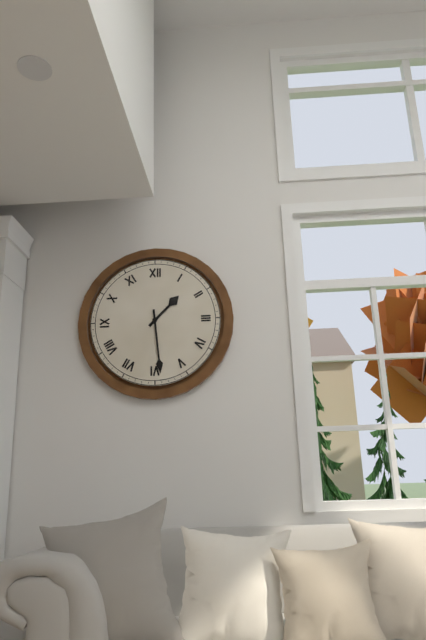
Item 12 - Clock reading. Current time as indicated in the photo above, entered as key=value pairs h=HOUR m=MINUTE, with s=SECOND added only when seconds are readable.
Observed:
h=1 m=29
